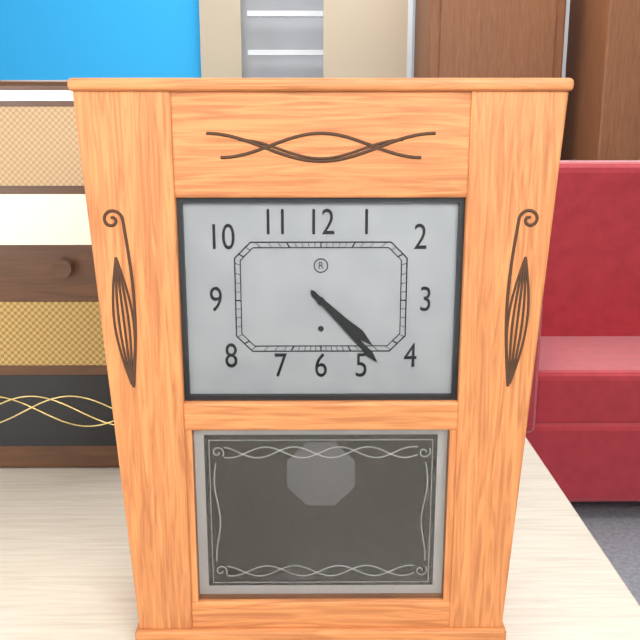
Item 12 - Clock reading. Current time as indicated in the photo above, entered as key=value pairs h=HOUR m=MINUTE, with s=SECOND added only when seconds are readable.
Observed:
h=4 m=23
